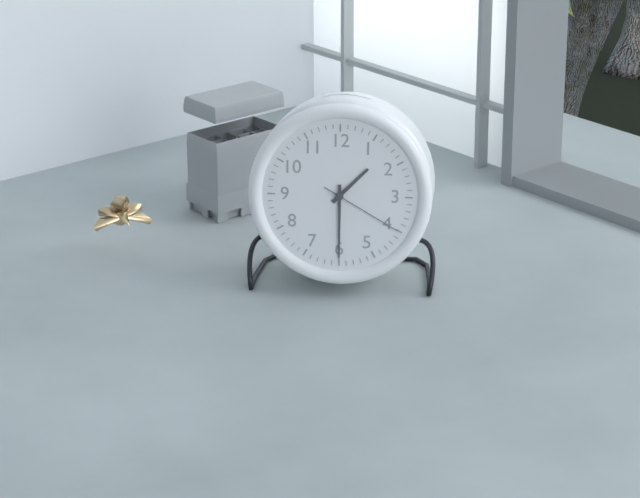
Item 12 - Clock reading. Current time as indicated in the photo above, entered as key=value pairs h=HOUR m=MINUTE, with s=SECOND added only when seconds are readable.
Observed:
h=1 m=30 s=20
